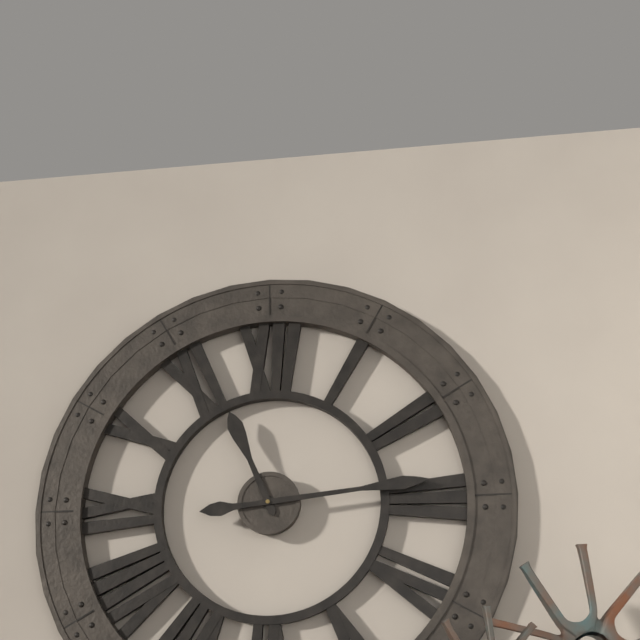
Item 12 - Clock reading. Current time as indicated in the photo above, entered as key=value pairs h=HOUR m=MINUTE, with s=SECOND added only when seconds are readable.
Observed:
h=11 m=14
